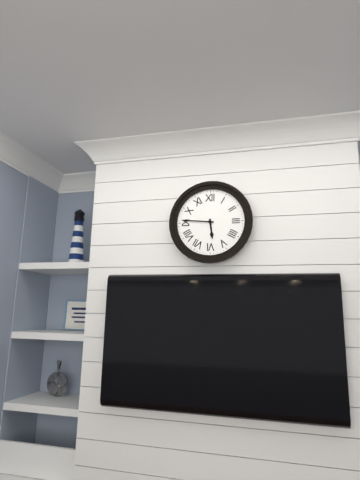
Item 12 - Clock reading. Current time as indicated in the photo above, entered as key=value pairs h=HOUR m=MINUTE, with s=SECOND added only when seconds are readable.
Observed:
h=5 m=46
